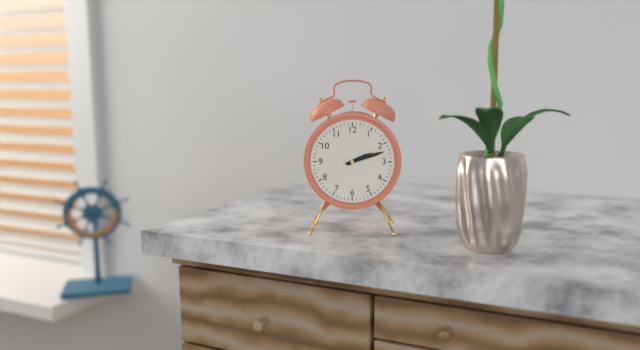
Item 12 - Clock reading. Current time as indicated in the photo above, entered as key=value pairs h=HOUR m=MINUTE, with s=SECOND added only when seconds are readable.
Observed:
h=2 m=12
